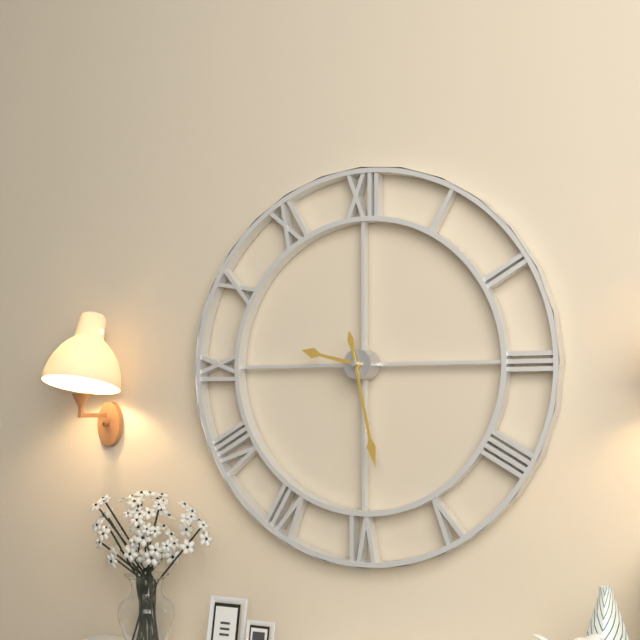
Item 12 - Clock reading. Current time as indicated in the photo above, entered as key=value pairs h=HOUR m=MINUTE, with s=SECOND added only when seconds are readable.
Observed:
h=9 m=28
